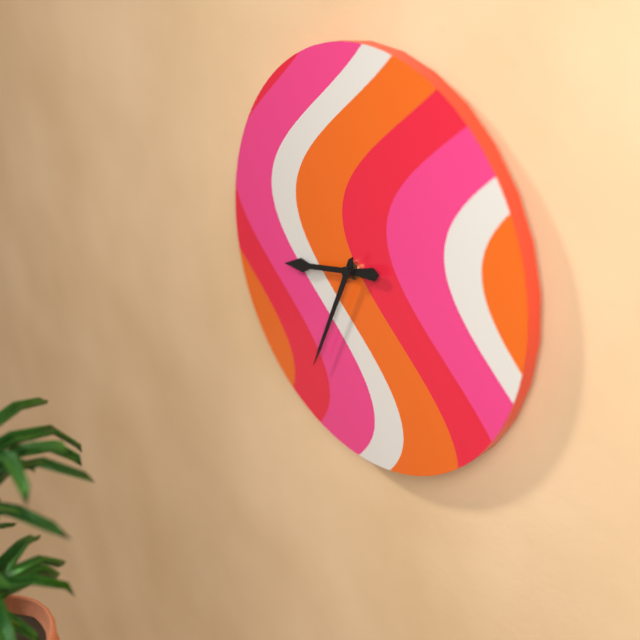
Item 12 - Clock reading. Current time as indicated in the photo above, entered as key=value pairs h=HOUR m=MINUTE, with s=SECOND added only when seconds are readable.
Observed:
h=8 m=34
